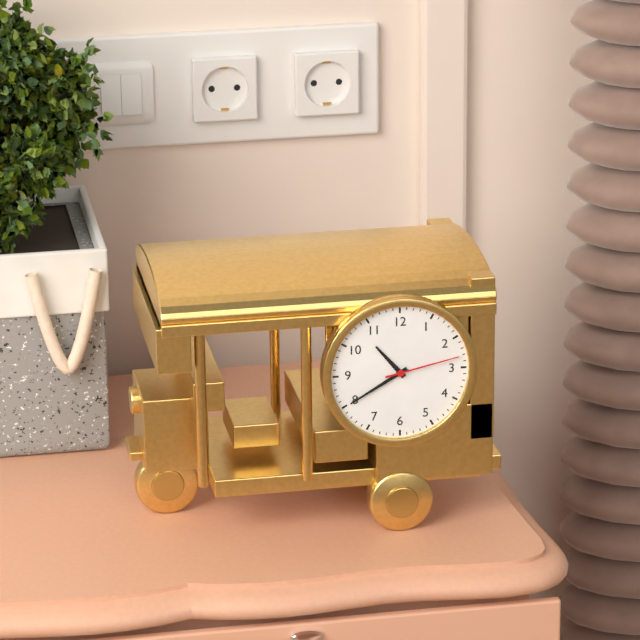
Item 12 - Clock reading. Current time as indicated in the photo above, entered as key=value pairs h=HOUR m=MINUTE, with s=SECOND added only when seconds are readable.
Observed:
h=10 m=40 s=13
